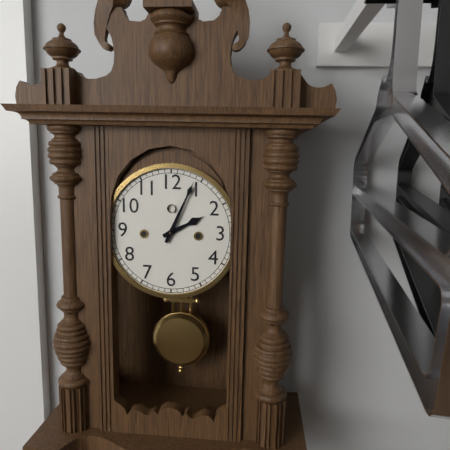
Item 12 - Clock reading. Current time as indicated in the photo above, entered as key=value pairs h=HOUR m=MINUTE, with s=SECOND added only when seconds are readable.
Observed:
h=2 m=4
